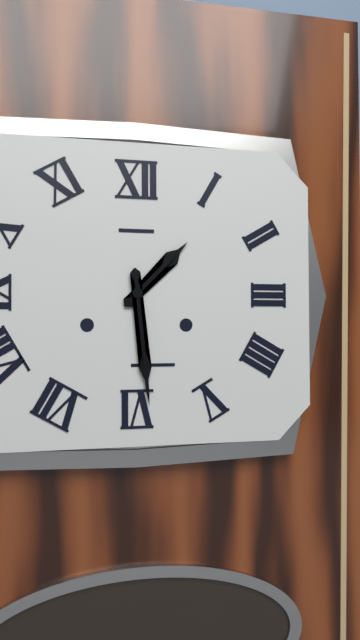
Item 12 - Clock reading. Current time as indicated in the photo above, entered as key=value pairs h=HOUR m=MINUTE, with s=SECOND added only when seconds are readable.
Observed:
h=1 m=29
